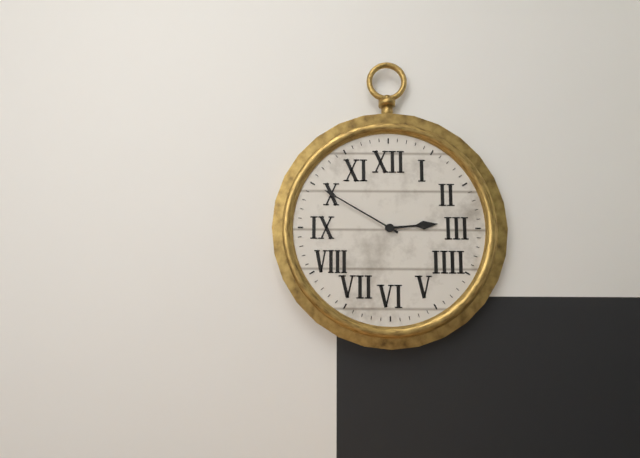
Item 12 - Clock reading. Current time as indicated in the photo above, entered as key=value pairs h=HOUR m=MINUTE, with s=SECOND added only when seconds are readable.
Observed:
h=2 m=50
